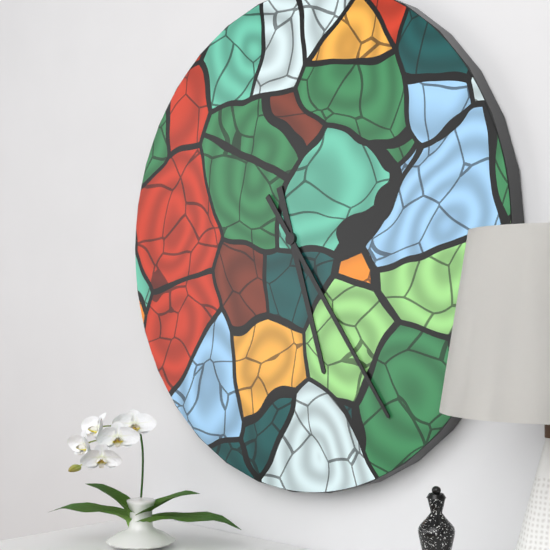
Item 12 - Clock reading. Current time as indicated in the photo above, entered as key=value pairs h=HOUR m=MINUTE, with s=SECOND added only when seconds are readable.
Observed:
h=5 m=24
